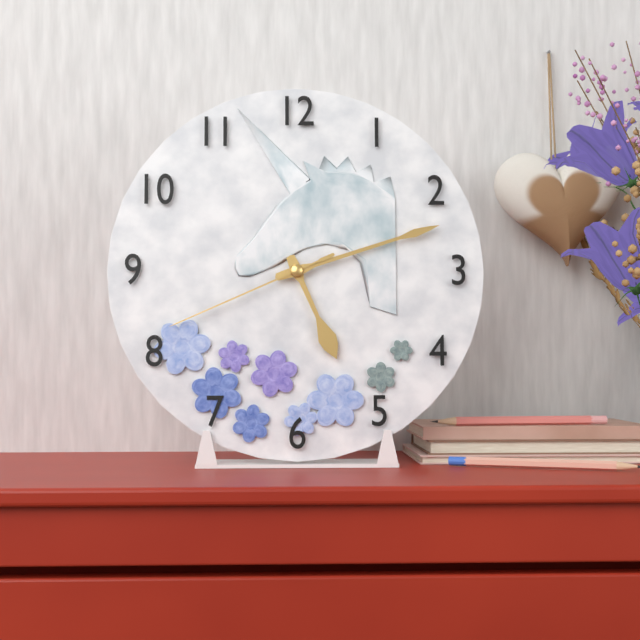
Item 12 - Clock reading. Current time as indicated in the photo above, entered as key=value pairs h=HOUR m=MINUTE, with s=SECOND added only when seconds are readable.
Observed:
h=5 m=12 s=41
